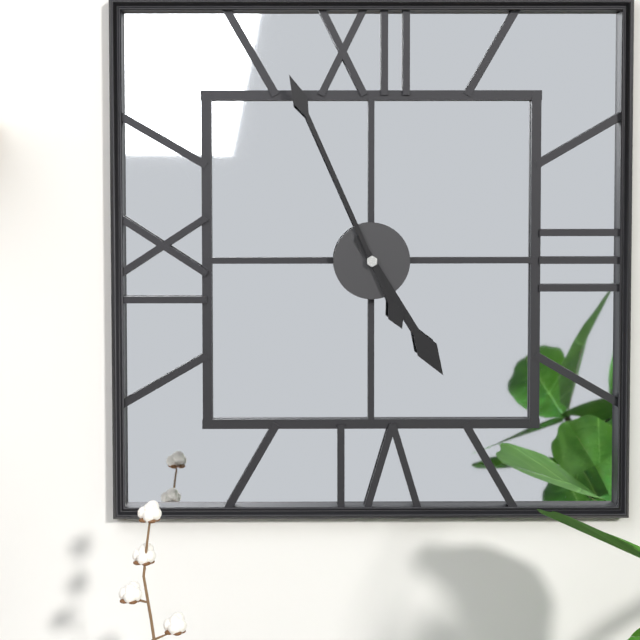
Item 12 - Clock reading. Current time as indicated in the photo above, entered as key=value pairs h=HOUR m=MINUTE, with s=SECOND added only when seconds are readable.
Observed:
h=4 m=56
